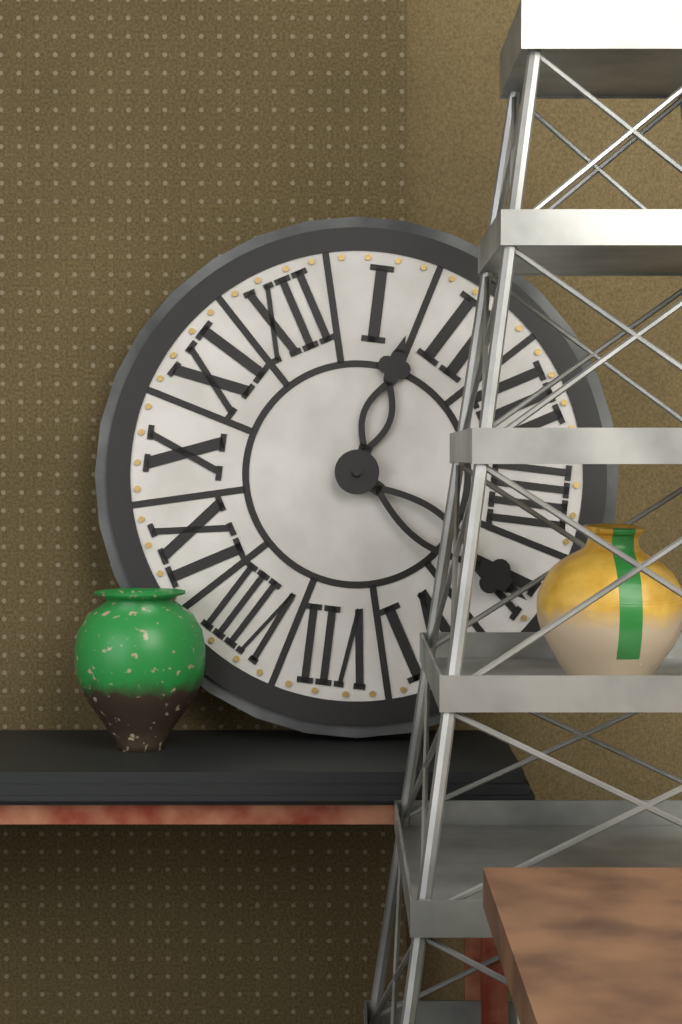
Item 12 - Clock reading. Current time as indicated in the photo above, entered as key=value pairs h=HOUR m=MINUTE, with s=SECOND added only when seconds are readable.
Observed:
h=1 m=25
